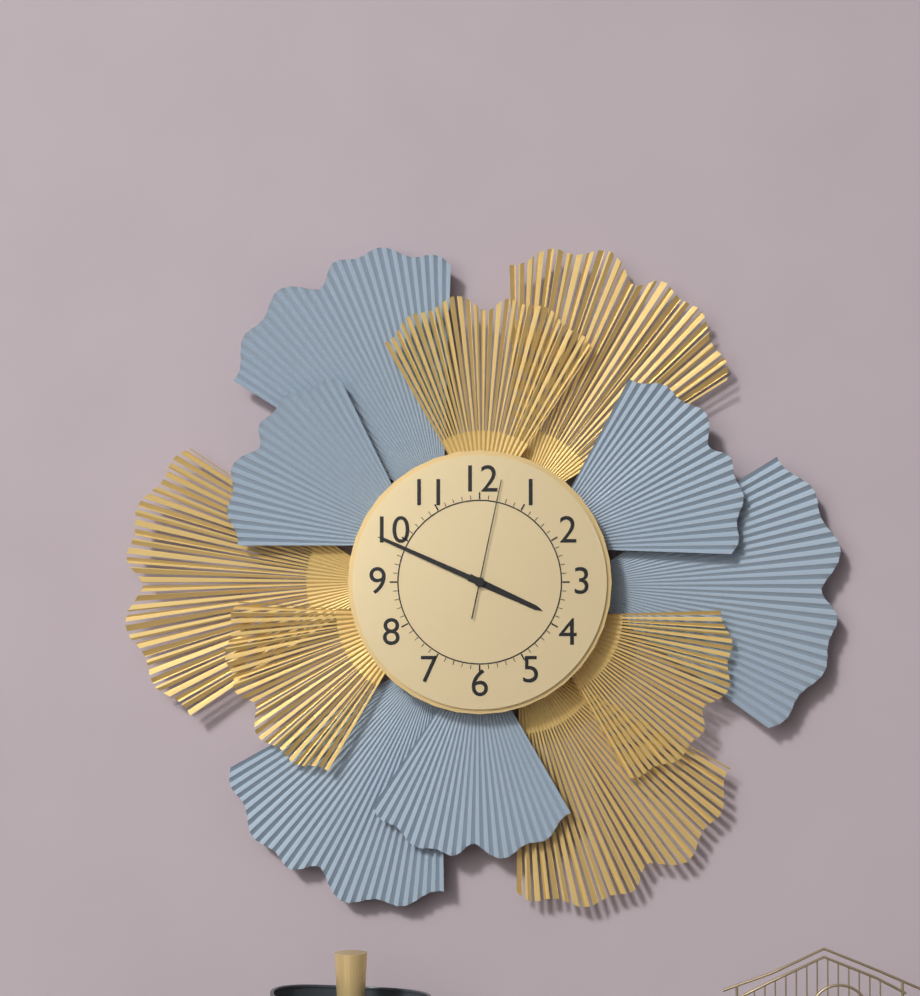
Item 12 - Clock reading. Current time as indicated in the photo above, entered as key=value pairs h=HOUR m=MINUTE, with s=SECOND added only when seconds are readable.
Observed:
h=3 m=49 s=2
